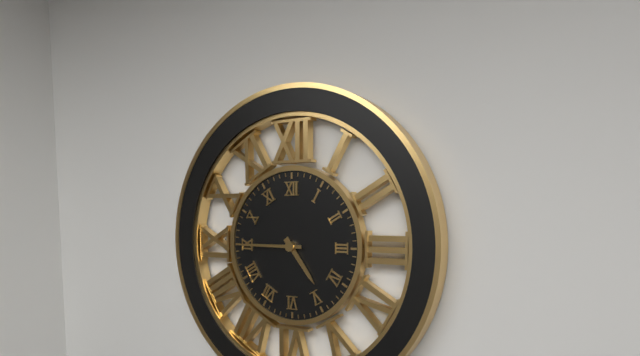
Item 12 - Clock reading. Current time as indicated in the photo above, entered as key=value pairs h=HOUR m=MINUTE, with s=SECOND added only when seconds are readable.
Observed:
h=4 m=45
